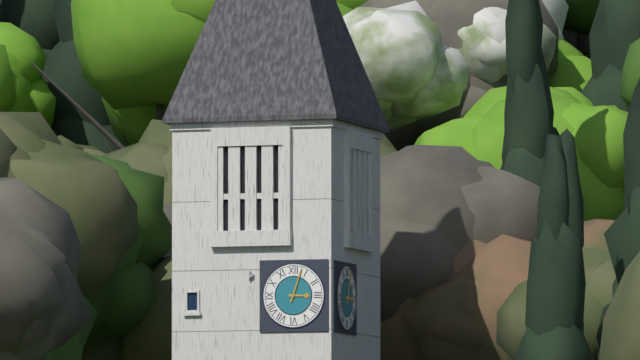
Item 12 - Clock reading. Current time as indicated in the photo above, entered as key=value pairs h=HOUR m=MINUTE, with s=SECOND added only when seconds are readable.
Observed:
h=3 m=3
